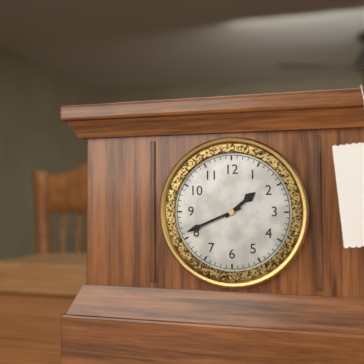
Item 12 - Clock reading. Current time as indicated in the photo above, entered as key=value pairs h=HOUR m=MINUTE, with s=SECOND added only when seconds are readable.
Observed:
h=1 m=41
